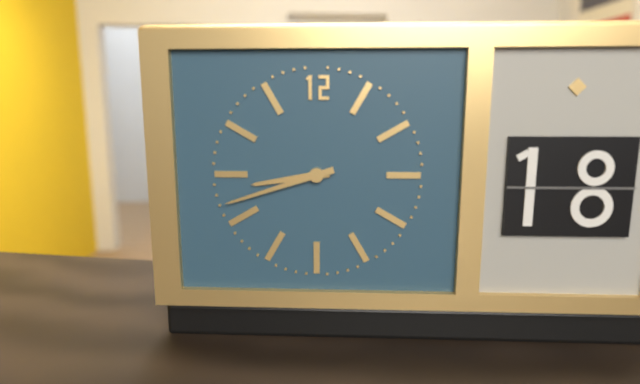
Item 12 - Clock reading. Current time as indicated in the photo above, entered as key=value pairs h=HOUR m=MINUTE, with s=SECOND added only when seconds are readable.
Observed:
h=8 m=42
